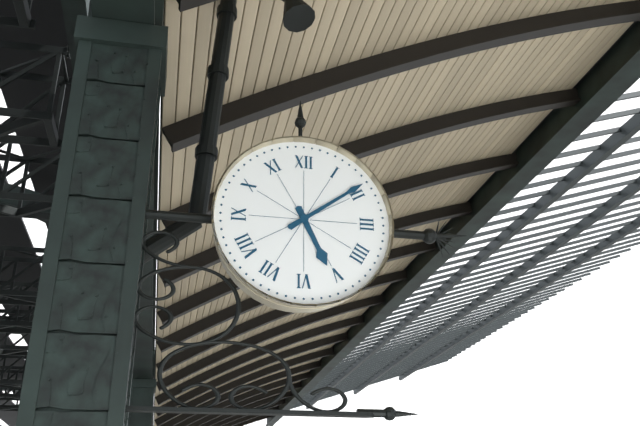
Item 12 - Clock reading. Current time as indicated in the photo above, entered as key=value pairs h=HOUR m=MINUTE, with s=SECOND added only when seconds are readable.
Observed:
h=5 m=9
